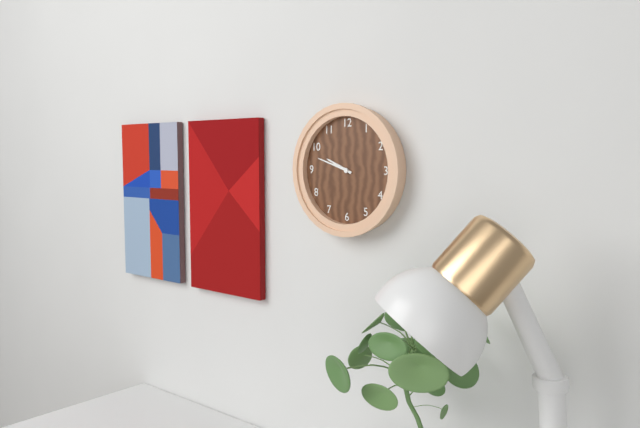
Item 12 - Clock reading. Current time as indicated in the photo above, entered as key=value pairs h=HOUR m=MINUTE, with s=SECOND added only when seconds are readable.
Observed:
h=9 m=48
